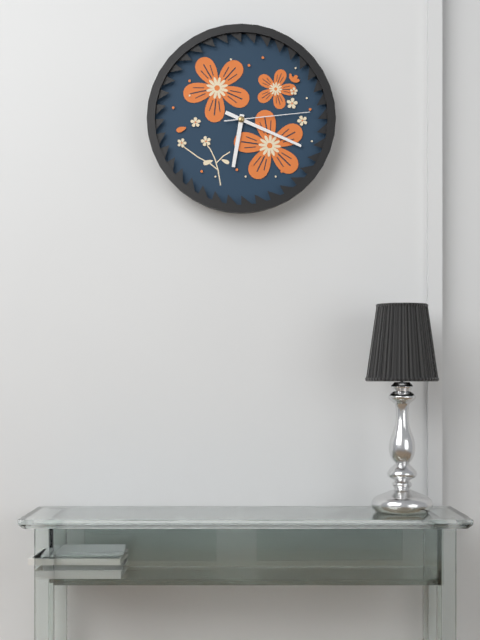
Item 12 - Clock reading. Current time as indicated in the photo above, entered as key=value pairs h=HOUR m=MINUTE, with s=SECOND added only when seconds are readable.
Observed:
h=6 m=19 s=14
